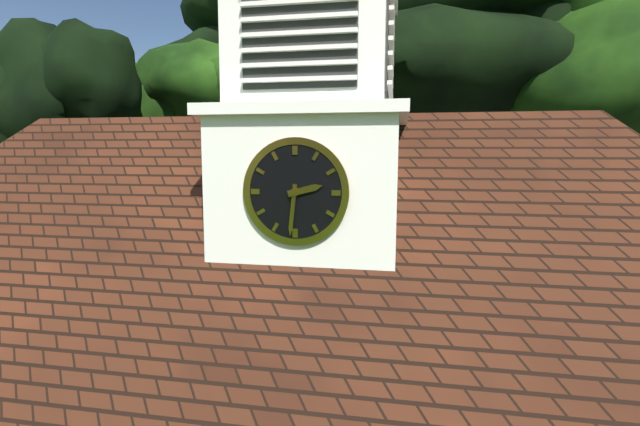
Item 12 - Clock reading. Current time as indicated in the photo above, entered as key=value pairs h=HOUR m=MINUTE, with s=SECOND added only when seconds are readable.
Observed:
h=2 m=31
